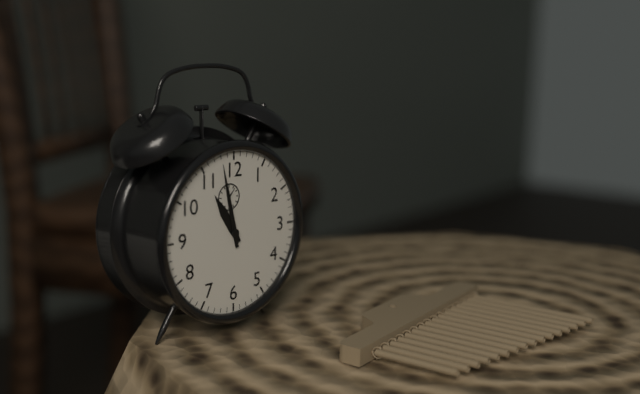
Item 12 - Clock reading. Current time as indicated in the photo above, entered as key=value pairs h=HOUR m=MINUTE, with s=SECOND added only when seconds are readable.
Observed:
h=10 m=58
